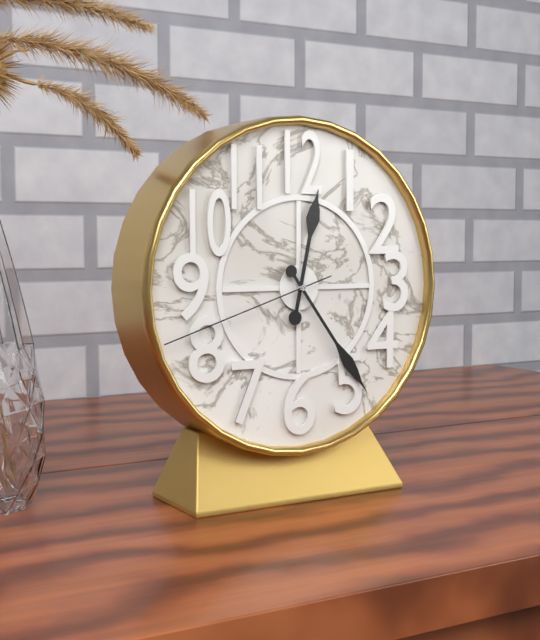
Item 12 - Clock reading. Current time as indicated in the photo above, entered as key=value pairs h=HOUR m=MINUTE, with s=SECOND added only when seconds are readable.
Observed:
h=12 m=24 s=42
